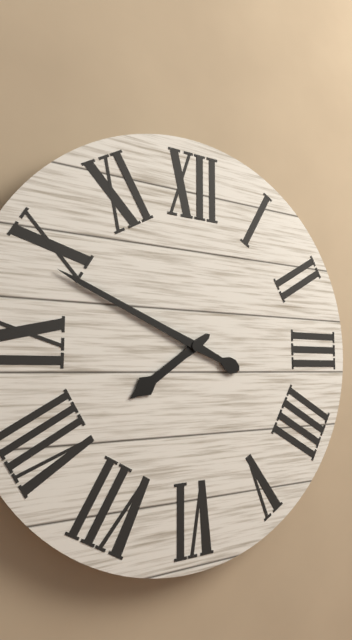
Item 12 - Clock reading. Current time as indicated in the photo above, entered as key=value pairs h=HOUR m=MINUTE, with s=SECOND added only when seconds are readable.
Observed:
h=7 m=49
